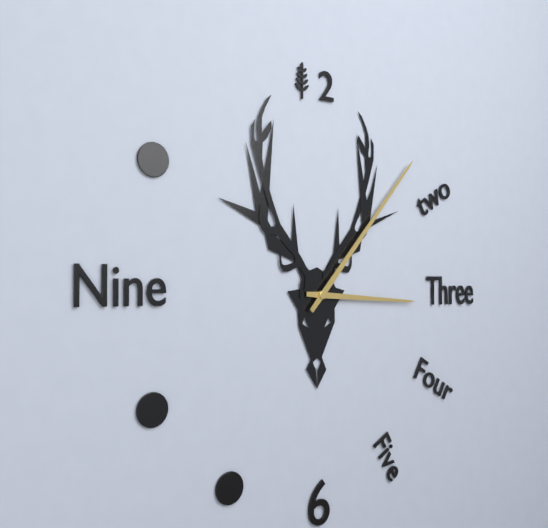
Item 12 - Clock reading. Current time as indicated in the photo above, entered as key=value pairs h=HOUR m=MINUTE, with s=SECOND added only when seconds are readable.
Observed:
h=3 m=7
